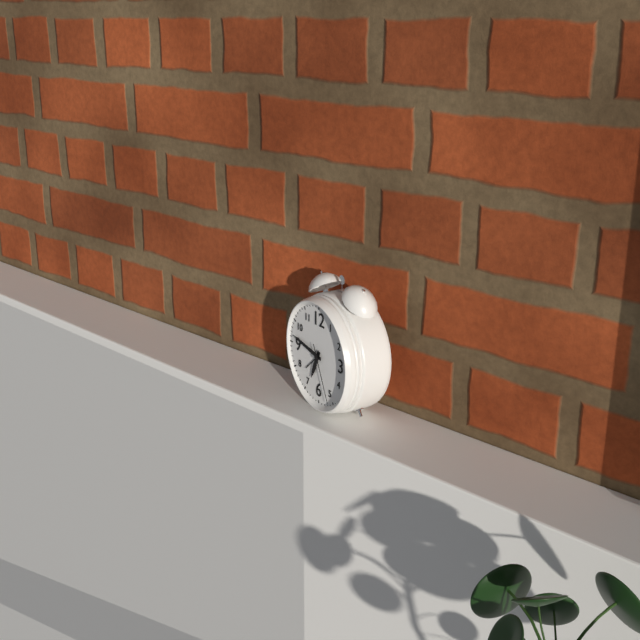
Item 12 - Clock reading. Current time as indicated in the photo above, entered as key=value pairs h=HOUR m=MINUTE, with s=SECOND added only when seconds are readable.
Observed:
h=6 m=47 s=26
